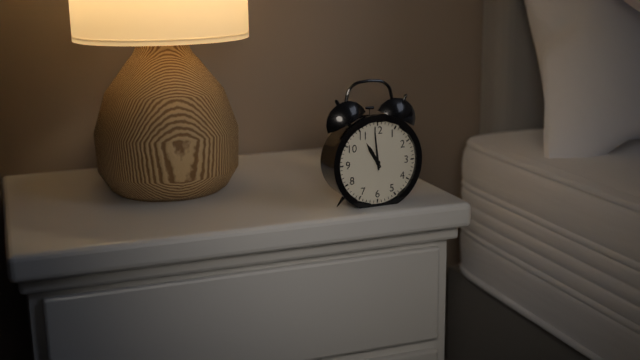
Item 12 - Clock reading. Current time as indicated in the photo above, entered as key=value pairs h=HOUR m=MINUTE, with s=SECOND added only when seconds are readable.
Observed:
h=10 m=59
